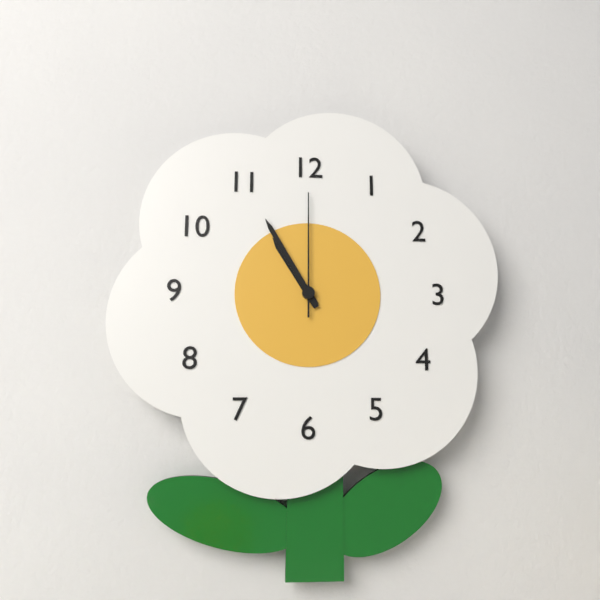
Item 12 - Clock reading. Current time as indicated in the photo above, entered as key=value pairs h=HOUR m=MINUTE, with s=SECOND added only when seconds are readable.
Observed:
h=10 m=55 s=0
